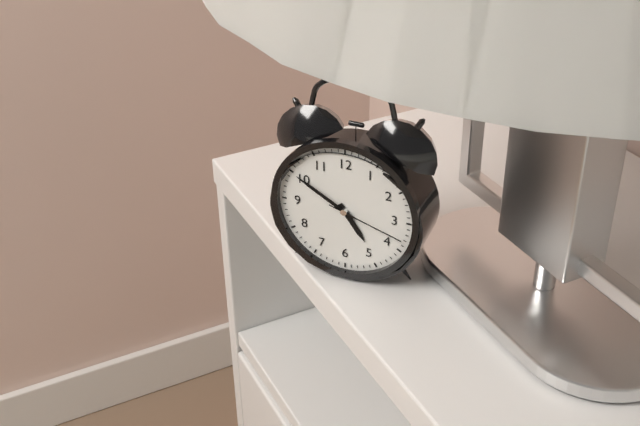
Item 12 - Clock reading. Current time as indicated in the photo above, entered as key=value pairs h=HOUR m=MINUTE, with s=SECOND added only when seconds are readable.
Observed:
h=4 m=50 s=18
